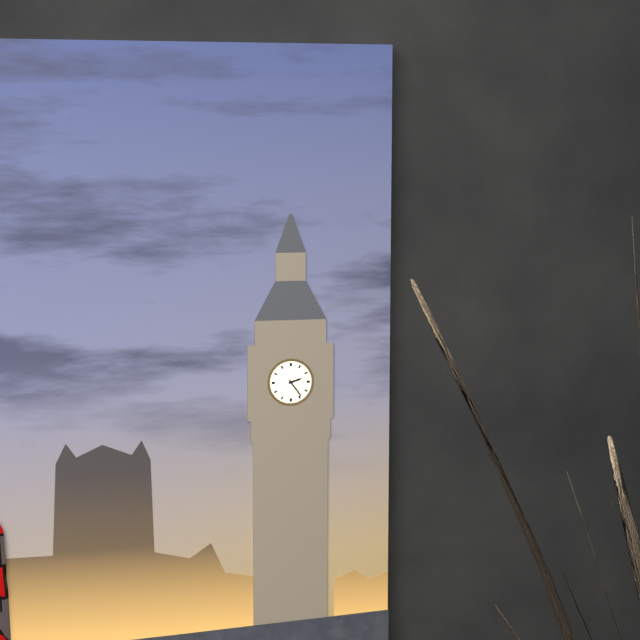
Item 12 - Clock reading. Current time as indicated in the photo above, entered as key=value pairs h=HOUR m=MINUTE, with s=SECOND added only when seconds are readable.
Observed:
h=2 m=24
